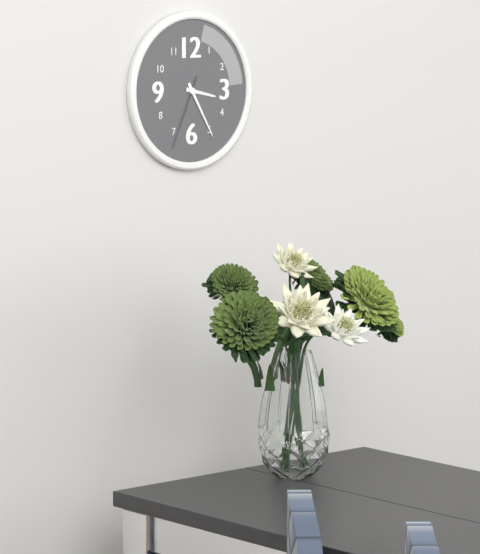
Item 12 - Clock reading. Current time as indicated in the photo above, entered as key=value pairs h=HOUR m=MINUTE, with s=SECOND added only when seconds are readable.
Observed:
h=3 m=25 s=34
